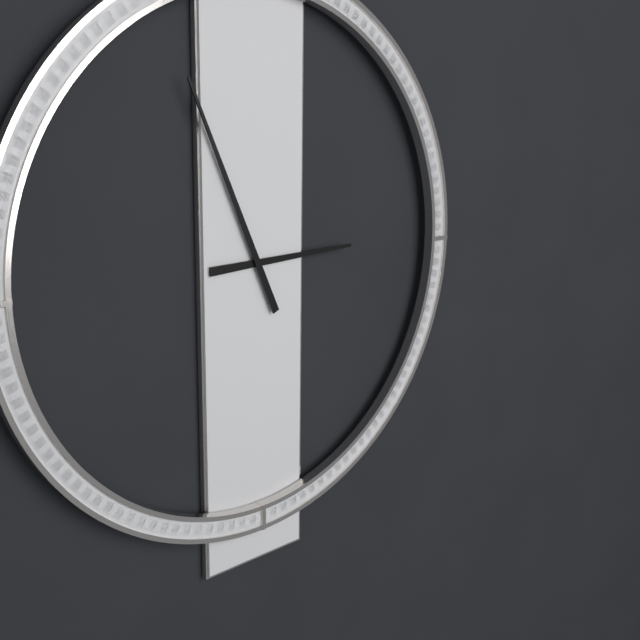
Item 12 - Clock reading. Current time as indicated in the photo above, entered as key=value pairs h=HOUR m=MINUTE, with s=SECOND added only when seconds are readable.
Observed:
h=2 m=56
